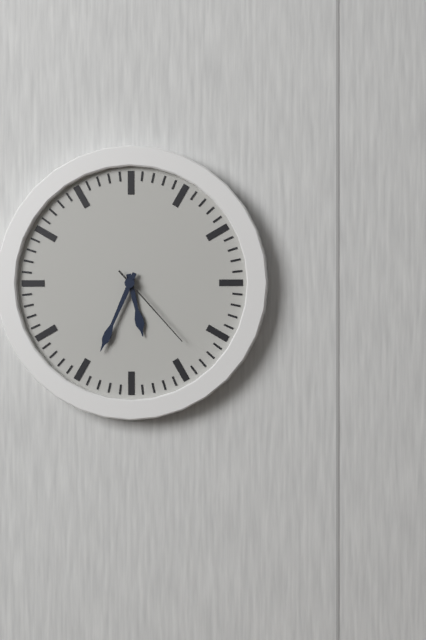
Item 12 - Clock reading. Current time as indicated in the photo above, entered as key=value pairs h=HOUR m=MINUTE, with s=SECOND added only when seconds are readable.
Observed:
h=5 m=34 s=23
